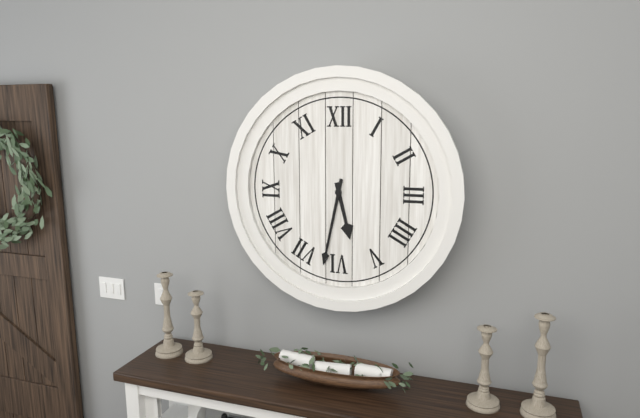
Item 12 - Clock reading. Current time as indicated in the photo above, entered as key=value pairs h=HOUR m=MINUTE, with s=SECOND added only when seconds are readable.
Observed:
h=5 m=32
